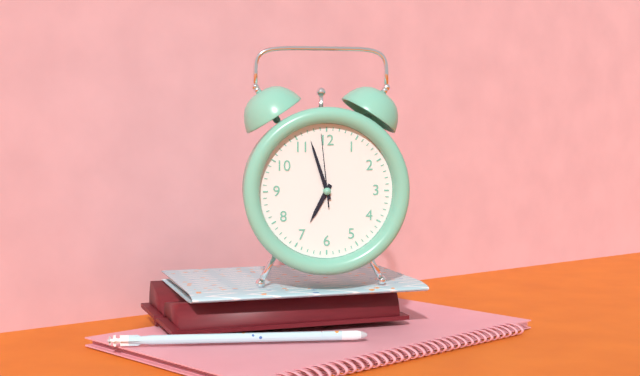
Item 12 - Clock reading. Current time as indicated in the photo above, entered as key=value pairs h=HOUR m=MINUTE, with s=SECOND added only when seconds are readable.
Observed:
h=6 m=57 s=59
